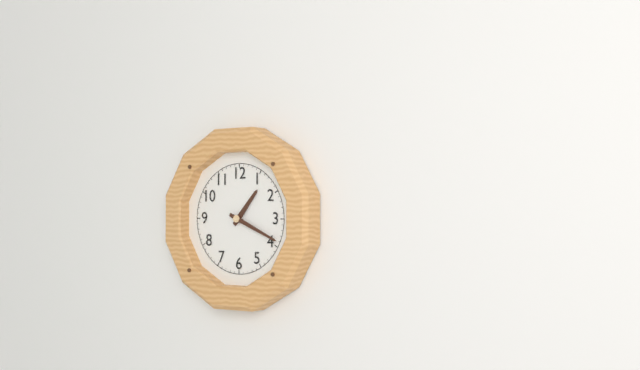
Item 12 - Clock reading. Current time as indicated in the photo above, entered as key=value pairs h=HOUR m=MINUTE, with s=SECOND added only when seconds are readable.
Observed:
h=1 m=19
